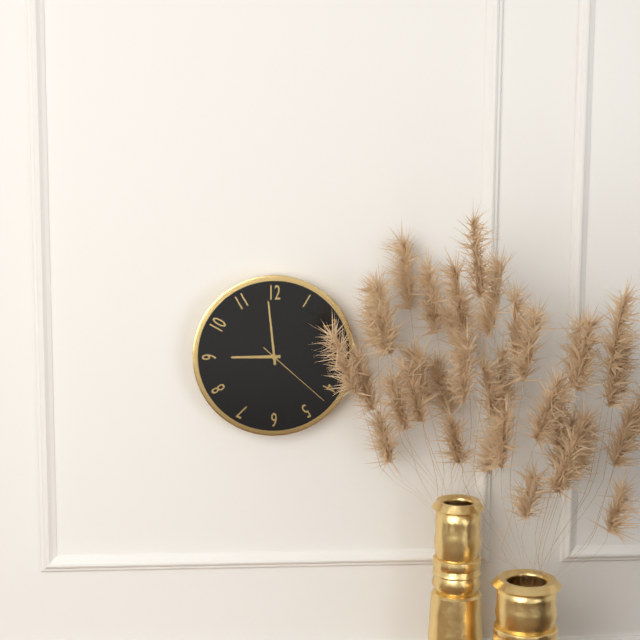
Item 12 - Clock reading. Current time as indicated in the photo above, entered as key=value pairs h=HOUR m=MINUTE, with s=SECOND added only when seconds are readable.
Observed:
h=8 m=59 s=22
